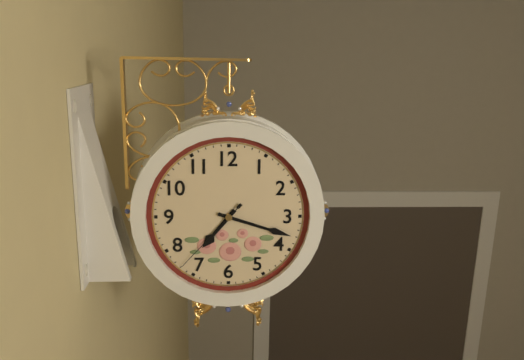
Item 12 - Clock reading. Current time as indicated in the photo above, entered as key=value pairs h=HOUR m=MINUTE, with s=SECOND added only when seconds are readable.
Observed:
h=7 m=18 s=37
